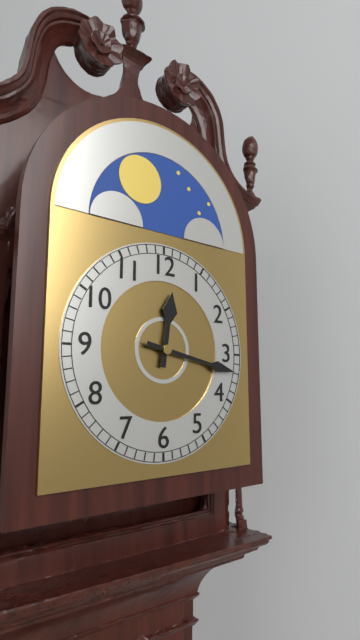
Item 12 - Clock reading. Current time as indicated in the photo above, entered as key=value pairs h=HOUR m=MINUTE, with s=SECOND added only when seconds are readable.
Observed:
h=12 m=17
